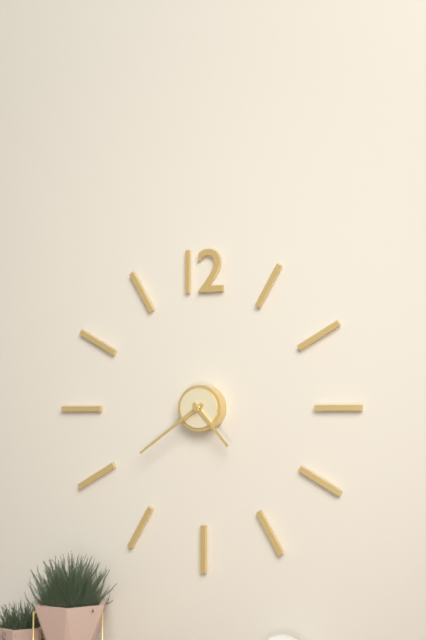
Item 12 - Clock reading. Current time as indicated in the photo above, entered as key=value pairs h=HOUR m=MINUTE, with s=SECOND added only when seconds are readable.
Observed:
h=4 m=39
